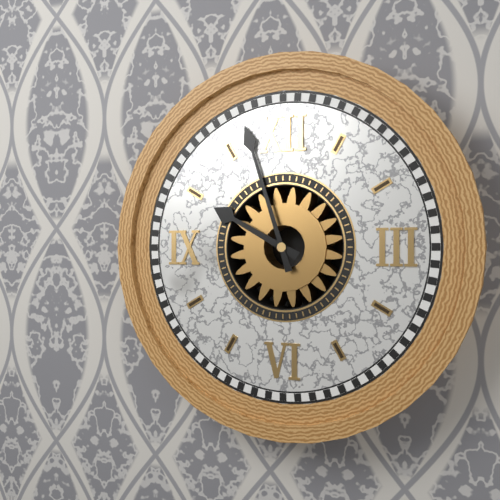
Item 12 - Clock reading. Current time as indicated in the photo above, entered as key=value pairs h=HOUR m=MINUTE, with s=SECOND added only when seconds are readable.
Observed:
h=9 m=57
